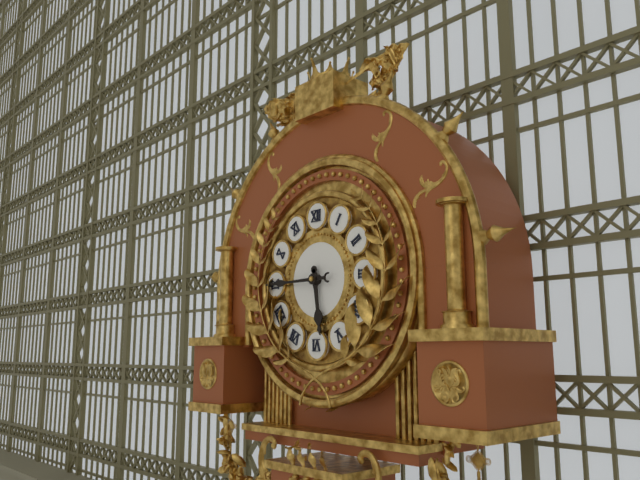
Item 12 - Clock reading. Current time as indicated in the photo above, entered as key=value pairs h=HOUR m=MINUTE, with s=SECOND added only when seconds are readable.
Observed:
h=5 m=45
